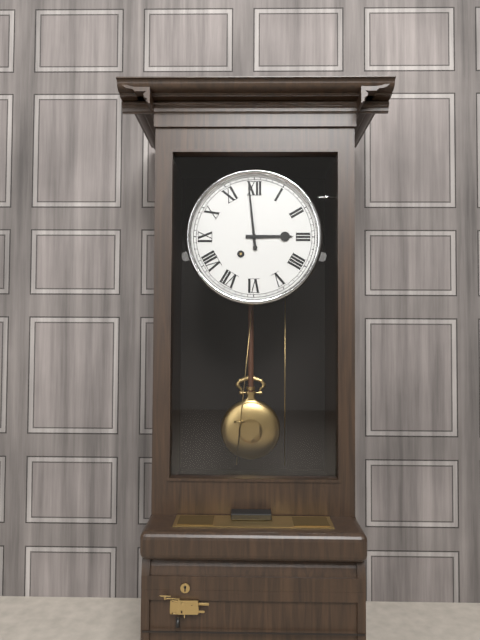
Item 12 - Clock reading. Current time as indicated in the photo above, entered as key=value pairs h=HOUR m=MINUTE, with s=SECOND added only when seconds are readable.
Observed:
h=2 m=59
